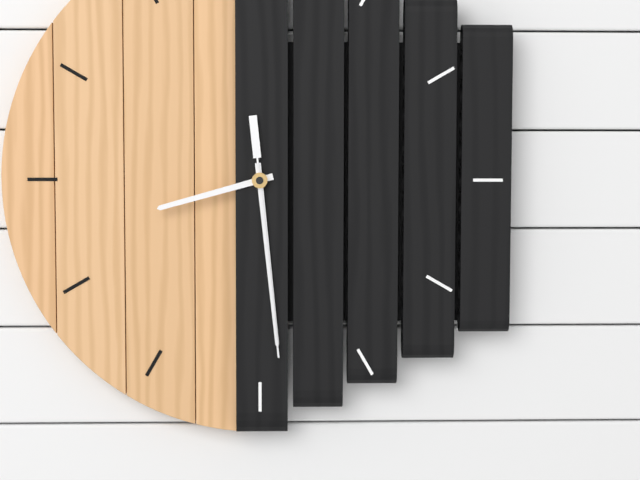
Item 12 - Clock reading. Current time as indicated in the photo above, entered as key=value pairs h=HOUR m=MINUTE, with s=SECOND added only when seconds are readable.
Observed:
h=8 m=29 s=29
